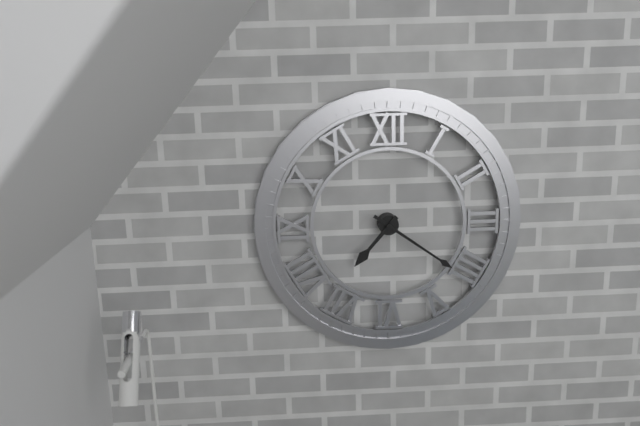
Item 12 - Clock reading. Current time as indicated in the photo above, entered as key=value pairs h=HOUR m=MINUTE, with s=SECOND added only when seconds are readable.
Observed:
h=7 m=21
